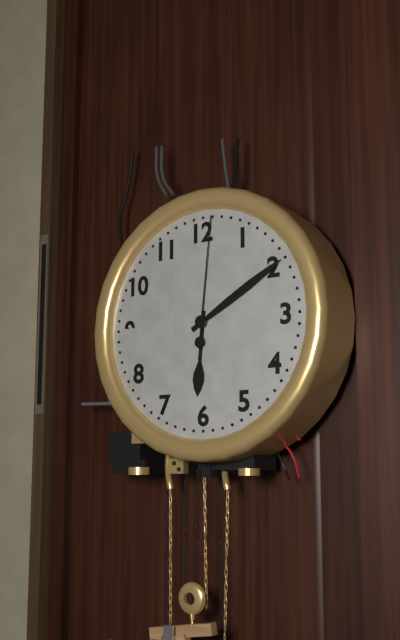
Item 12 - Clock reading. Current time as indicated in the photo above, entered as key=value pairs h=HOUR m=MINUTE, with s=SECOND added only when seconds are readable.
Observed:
h=6 m=10 s=1
